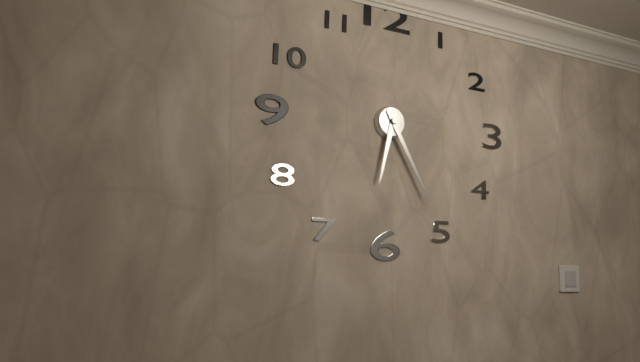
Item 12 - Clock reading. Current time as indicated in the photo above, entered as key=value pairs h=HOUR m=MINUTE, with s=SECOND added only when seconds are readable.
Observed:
h=6 m=25
